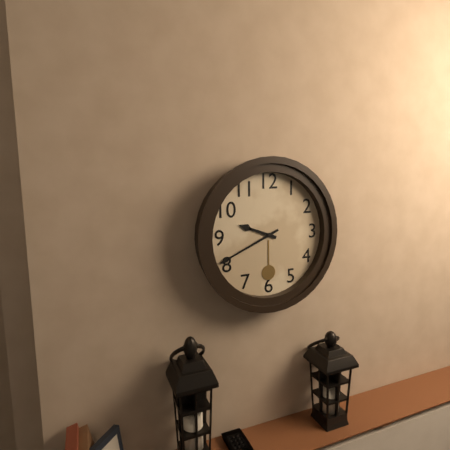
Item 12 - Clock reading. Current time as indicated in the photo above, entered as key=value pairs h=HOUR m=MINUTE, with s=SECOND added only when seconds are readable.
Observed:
h=9 m=41
